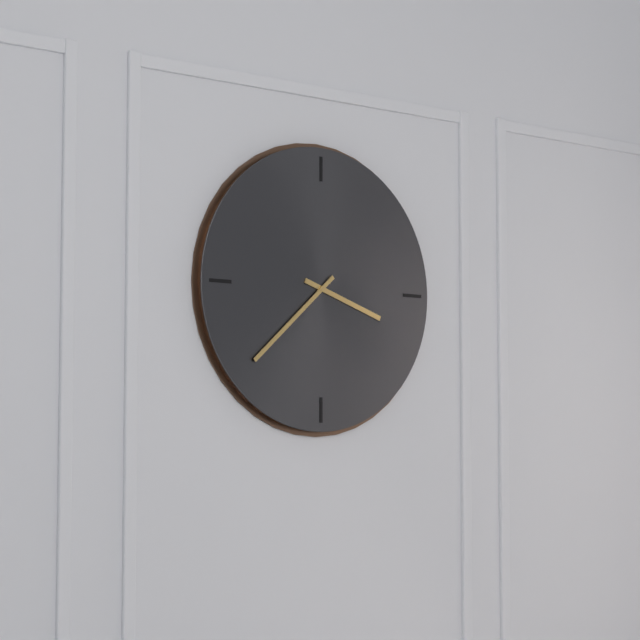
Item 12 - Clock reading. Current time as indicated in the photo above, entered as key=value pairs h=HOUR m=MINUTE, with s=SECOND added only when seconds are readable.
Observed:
h=3 m=38
